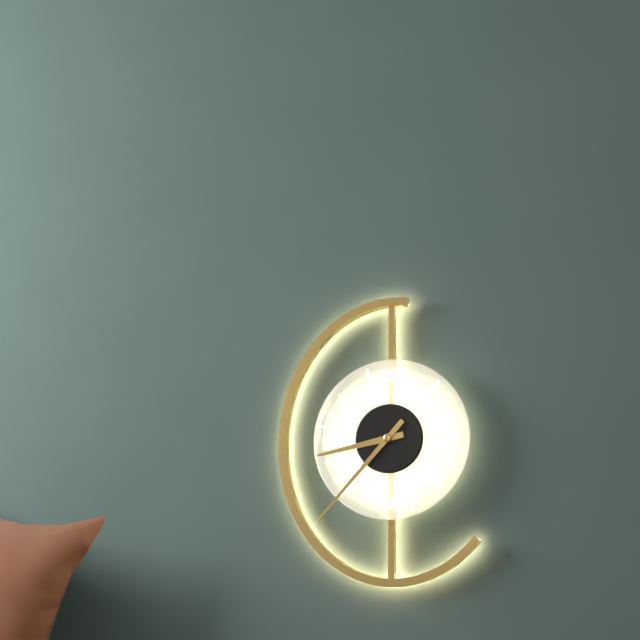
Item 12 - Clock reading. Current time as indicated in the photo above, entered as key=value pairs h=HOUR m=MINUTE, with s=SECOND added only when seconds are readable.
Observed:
h=8 m=37
